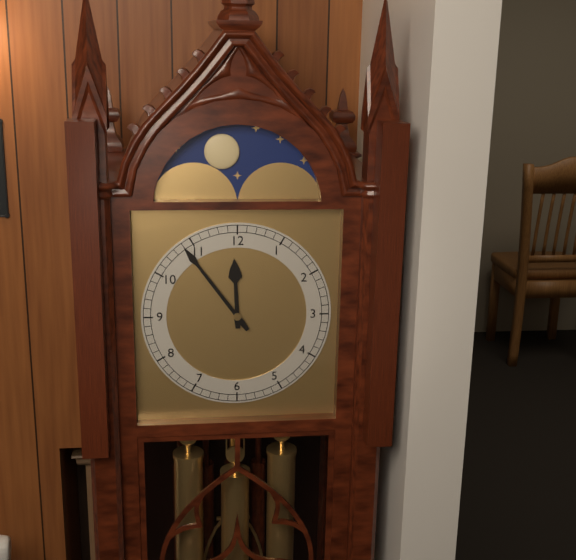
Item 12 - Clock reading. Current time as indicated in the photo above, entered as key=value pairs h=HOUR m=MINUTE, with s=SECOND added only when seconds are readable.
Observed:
h=11 m=54
